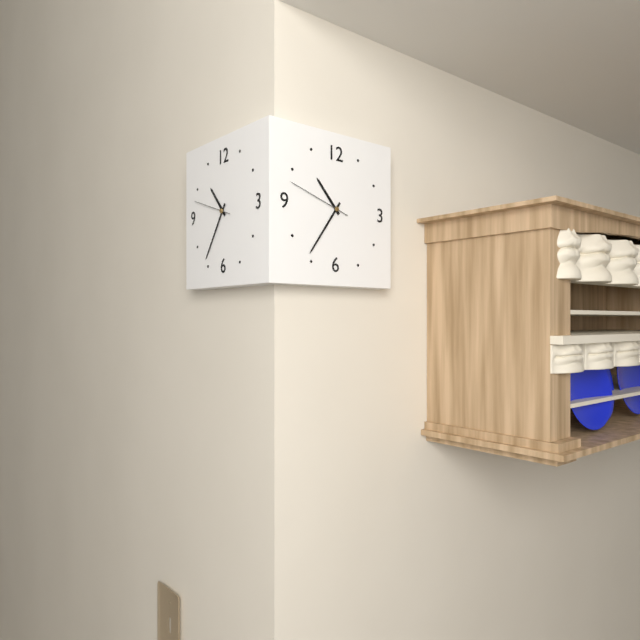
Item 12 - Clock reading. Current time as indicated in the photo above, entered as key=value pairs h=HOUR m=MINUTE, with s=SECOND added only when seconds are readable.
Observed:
h=10 m=36 s=48
